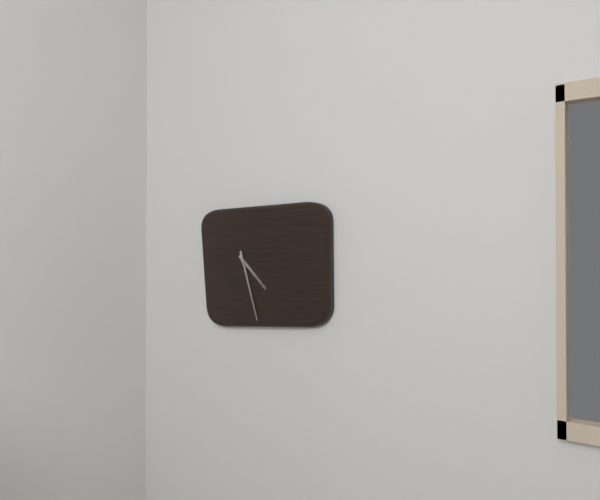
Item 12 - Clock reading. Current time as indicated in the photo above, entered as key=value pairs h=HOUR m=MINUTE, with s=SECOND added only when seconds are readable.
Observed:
h=4 m=27
